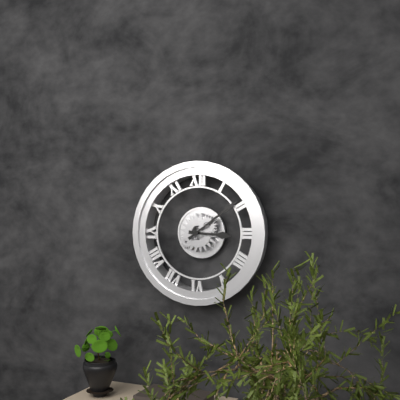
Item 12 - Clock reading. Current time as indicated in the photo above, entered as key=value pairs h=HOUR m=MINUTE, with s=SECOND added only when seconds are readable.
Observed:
h=3 m=9
